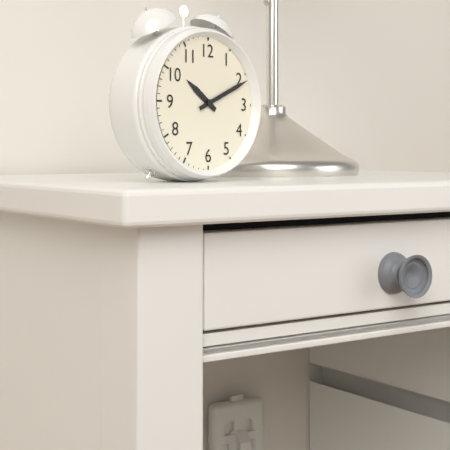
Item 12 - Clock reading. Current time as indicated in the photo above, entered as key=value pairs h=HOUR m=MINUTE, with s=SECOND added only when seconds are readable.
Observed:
h=10 m=11
